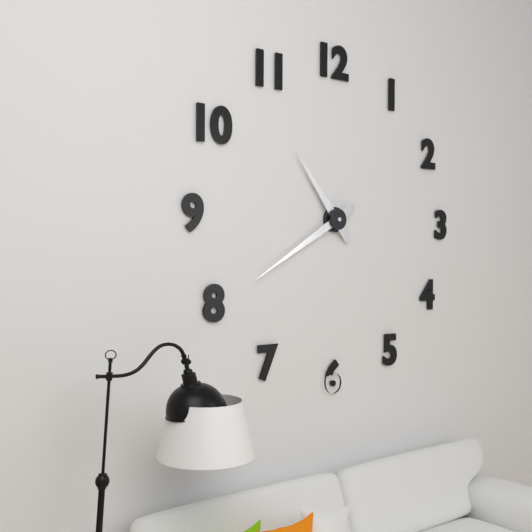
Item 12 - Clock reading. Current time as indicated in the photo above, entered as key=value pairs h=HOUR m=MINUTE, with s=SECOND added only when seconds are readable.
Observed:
h=10 m=40
